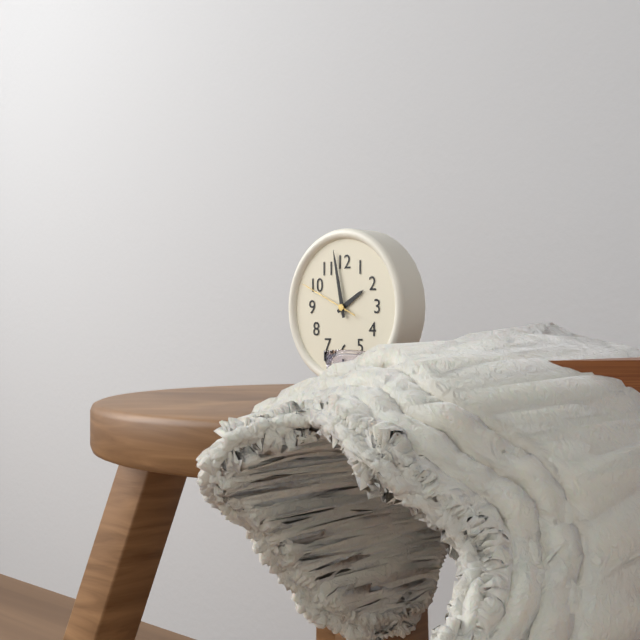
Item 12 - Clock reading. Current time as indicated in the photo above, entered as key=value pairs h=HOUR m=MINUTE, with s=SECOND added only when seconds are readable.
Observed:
h=1 m=58 s=49
